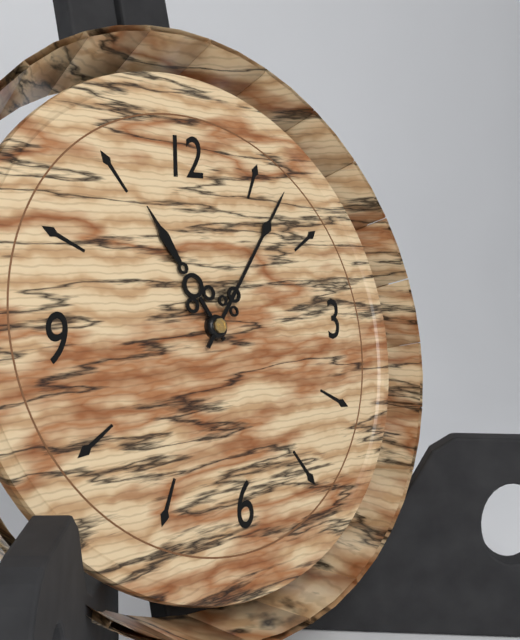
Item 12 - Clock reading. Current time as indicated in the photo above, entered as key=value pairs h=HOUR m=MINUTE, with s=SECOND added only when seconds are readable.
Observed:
h=11 m=7
